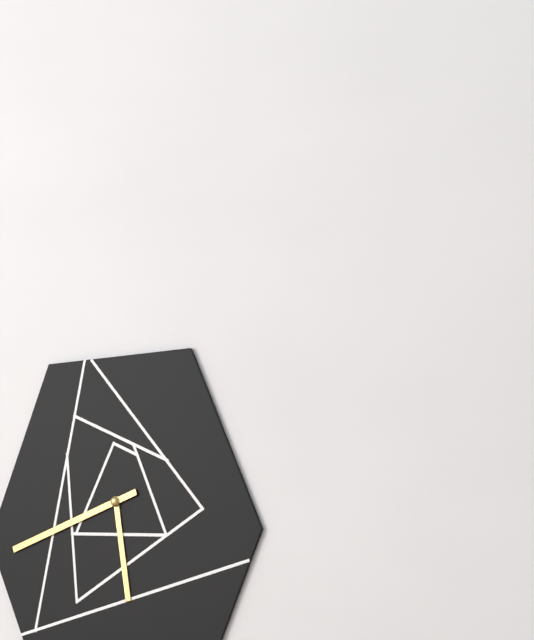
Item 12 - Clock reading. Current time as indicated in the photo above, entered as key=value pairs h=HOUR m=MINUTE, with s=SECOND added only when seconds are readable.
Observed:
h=5 m=42
